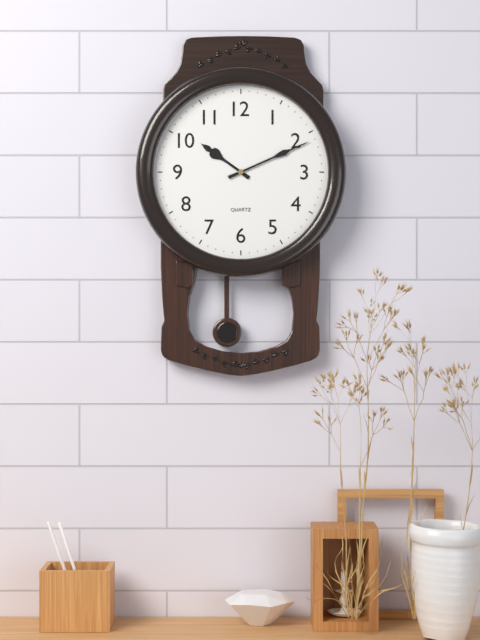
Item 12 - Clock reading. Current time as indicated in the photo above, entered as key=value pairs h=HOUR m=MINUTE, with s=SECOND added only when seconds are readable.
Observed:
h=10 m=11
